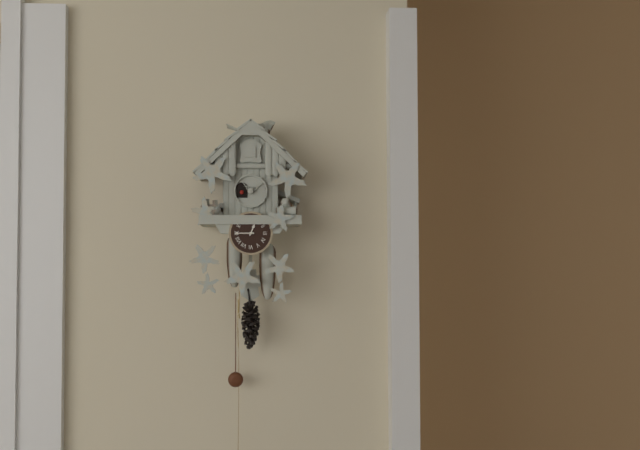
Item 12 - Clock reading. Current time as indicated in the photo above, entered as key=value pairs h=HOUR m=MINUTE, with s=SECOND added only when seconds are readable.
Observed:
h=12 m=45
